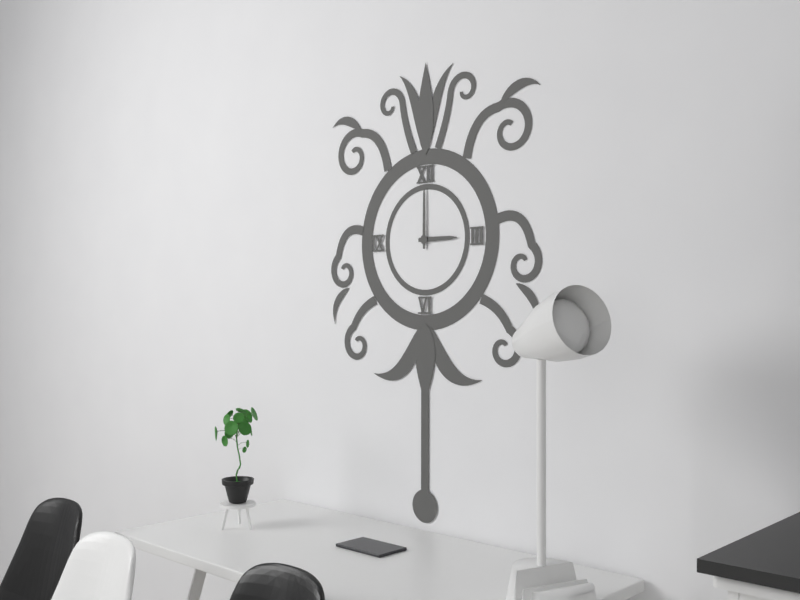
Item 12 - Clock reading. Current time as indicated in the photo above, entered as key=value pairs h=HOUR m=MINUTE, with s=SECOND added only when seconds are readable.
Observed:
h=3 m=0
